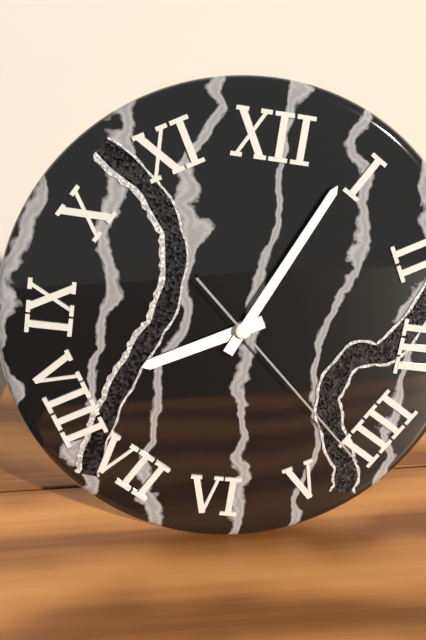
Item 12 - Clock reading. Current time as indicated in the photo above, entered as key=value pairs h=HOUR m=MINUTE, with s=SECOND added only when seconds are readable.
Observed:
h=8 m=4 s=22
